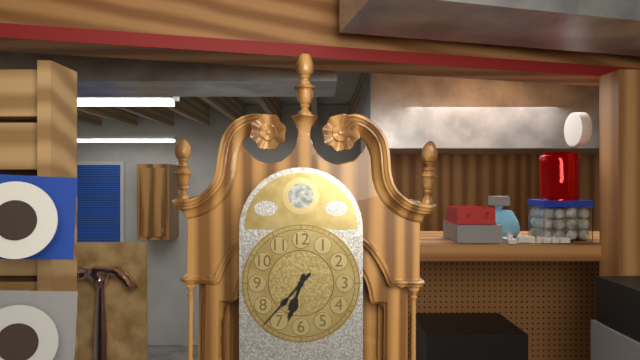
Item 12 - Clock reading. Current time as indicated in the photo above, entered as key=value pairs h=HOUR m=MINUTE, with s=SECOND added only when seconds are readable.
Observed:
h=6 m=37
